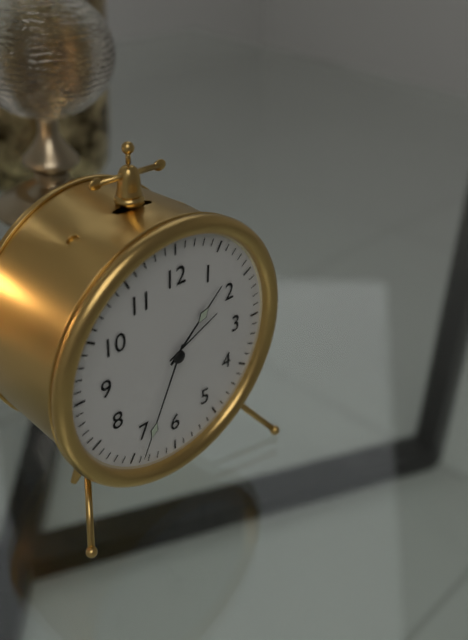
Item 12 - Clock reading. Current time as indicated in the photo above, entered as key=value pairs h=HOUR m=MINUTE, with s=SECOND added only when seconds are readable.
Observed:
h=1 m=34
